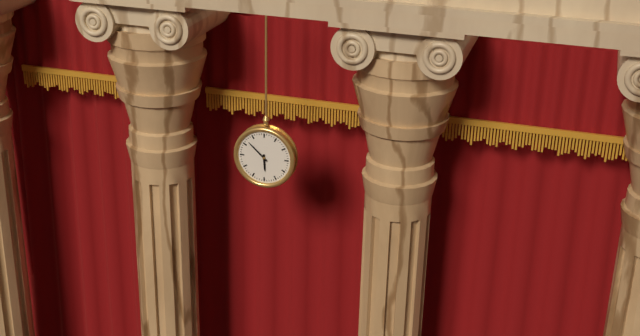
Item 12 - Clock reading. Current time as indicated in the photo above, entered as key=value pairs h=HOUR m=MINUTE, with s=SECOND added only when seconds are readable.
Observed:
h=5 m=52
